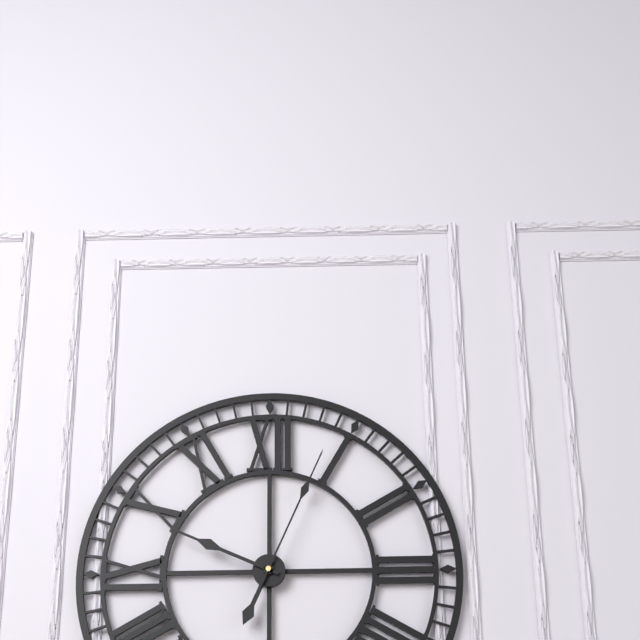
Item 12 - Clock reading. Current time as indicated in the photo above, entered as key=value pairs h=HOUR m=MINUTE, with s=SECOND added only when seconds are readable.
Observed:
h=6 m=49 s=4
